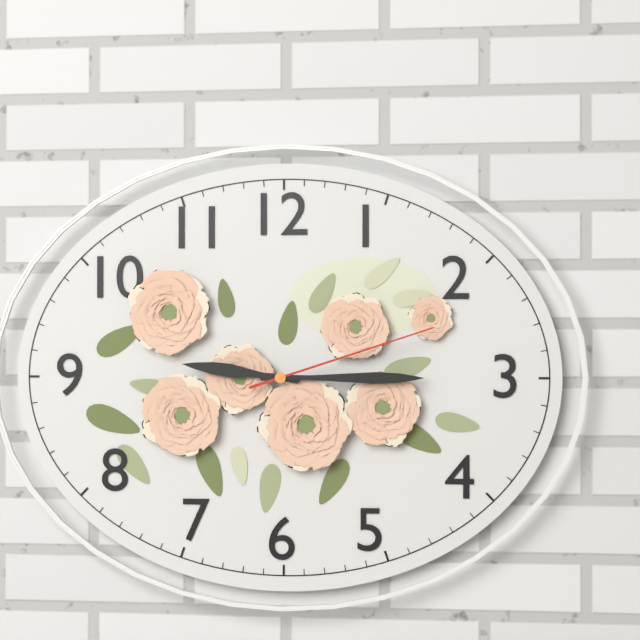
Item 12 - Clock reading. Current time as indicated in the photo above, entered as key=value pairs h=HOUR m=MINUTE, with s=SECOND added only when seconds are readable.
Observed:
h=9 m=15 s=12
